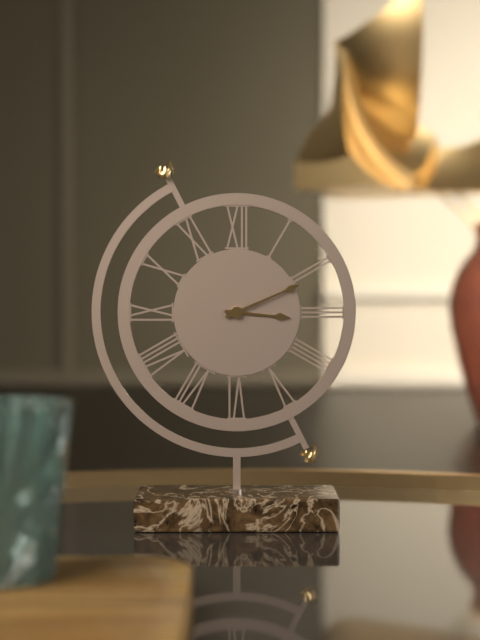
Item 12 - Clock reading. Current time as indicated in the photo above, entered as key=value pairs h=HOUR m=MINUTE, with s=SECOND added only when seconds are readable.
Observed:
h=3 m=11
